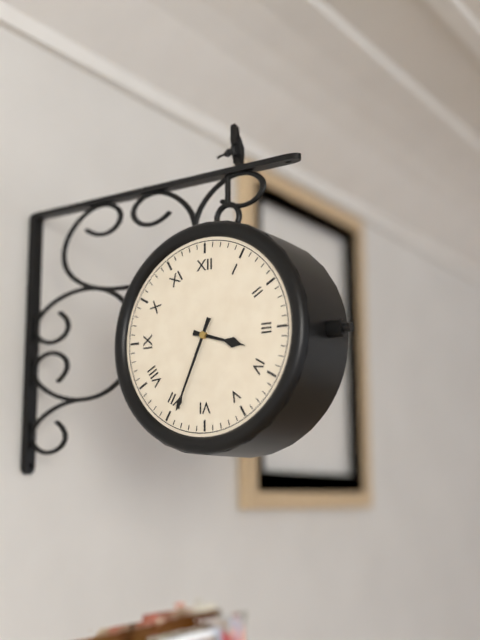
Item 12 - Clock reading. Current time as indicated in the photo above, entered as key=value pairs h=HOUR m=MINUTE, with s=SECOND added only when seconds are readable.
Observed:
h=3 m=34
